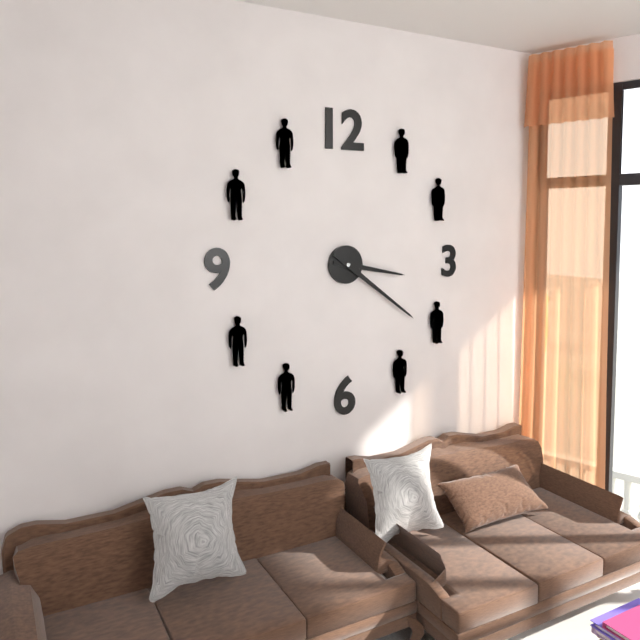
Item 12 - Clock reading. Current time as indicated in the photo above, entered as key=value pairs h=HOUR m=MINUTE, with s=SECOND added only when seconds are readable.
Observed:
h=3 m=21
